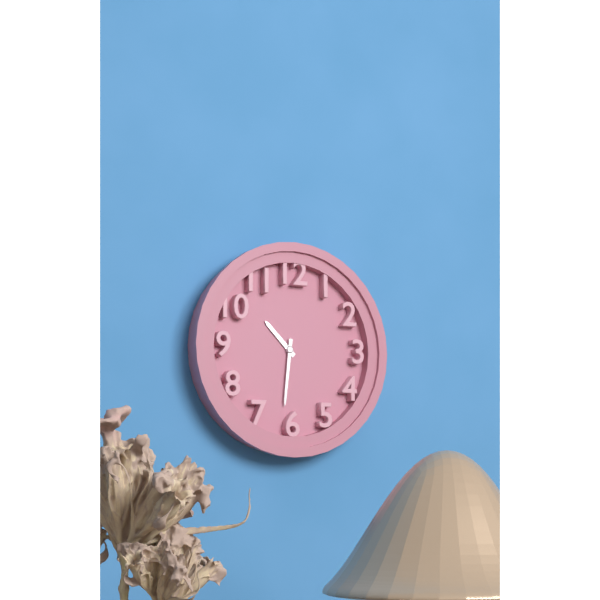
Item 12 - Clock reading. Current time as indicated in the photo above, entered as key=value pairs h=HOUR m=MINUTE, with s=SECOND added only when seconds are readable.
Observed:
h=10 m=31
